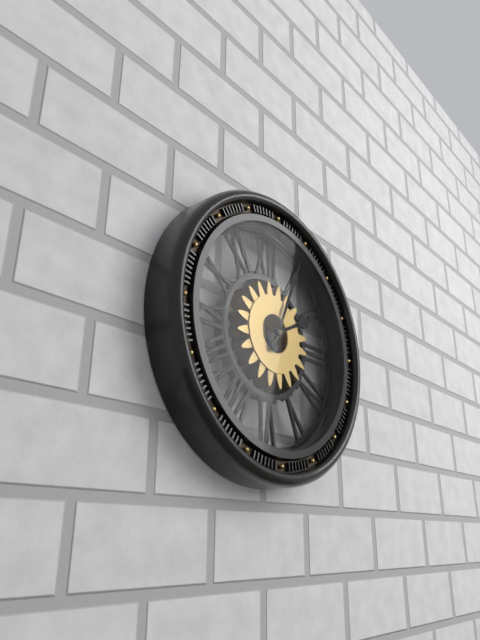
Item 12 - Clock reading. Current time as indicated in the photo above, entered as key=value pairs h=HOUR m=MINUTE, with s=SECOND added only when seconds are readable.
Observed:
h=2 m=4
